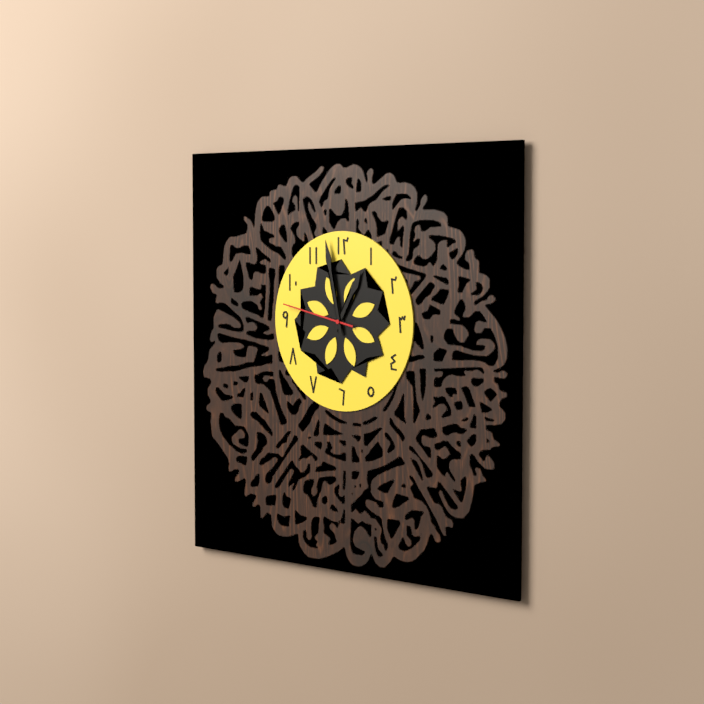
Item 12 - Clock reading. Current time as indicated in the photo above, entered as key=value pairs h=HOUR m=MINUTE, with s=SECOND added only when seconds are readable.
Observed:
h=12 m=58 s=47
